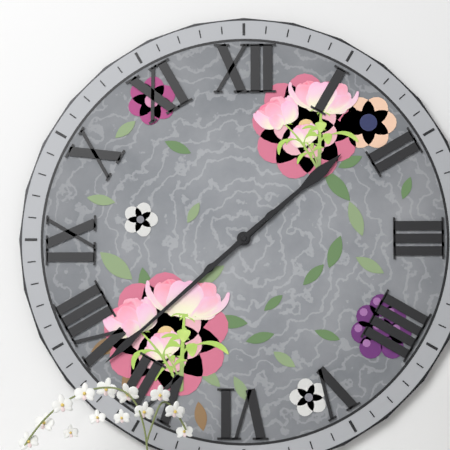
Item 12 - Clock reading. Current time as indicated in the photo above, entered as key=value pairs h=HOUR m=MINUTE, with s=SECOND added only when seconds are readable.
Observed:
h=1 m=38
